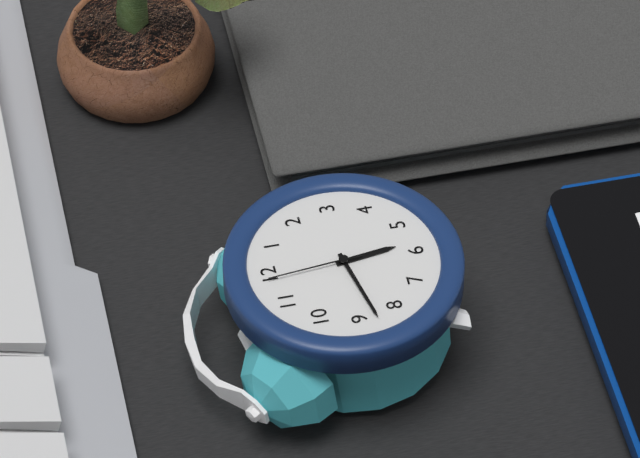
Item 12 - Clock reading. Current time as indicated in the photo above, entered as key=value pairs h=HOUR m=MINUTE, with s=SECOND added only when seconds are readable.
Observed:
h=5 m=43 s=59
